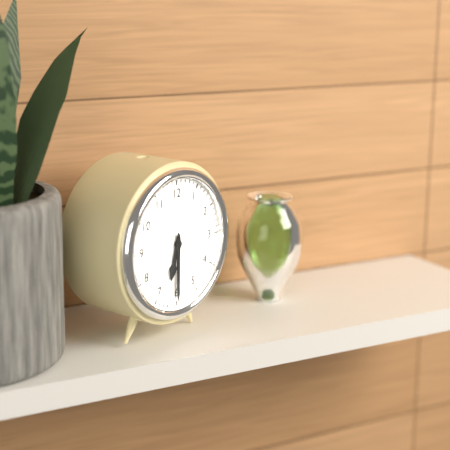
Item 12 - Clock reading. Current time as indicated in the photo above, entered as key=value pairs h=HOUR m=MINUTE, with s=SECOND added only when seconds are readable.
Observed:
h=6 m=30
